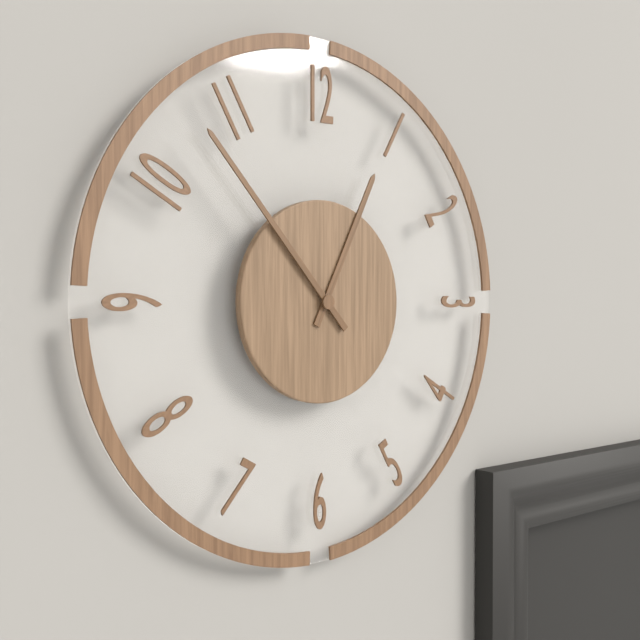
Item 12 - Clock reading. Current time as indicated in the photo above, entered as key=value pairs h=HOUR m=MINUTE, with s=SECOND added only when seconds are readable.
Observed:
h=12 m=53
